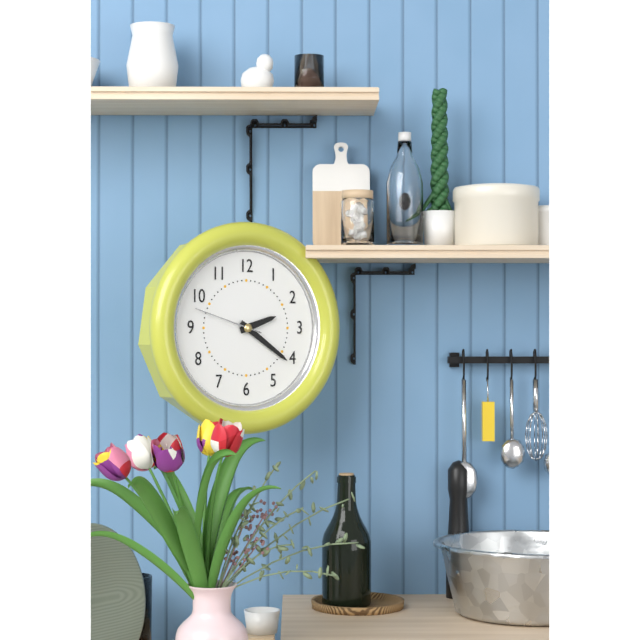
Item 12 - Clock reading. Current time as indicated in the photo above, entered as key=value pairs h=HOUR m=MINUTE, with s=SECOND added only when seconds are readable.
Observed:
h=2 m=21 s=48
